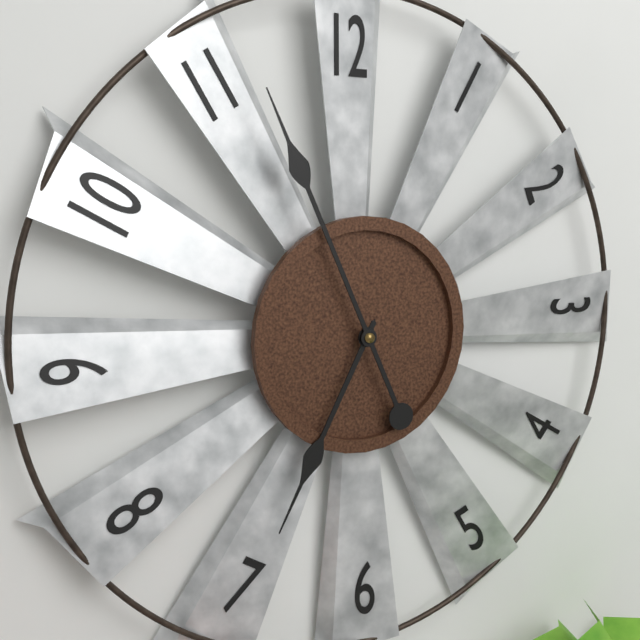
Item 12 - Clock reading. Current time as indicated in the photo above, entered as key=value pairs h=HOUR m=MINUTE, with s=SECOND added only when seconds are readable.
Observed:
h=6 m=56
